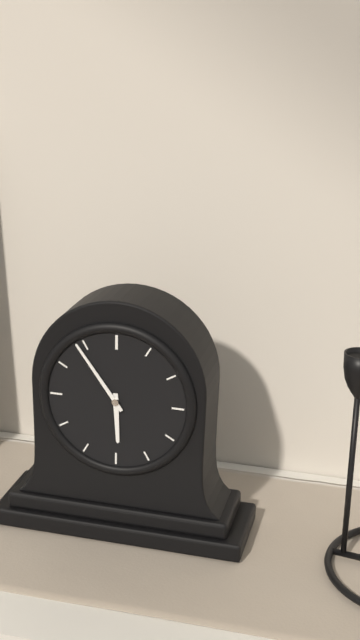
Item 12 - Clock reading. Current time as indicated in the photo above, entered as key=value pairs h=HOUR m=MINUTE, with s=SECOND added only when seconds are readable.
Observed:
h=5 m=54
